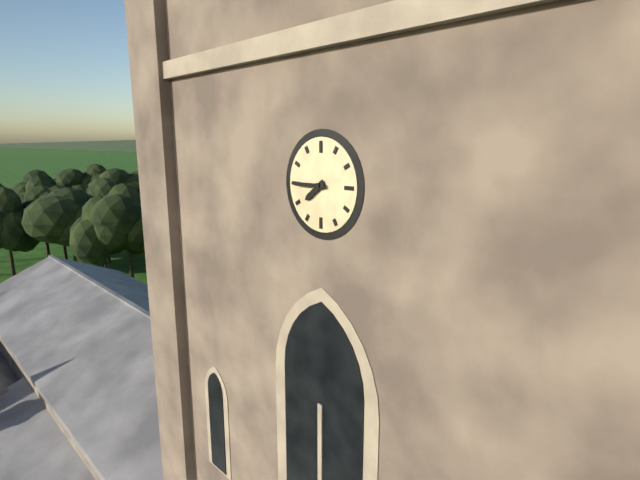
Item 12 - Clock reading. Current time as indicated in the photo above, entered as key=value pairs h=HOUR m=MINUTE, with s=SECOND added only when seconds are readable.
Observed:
h=7 m=45
